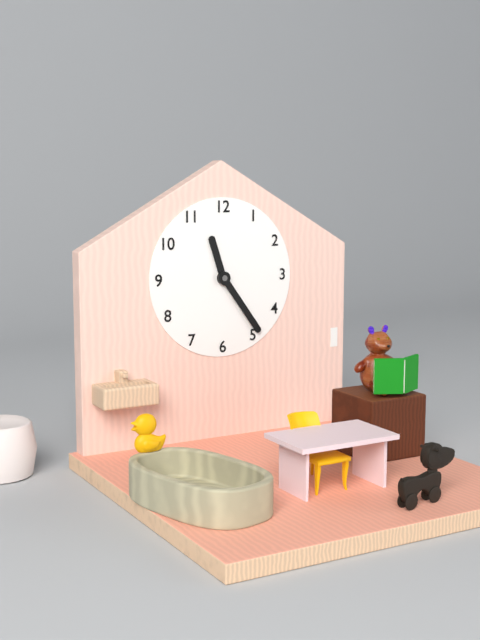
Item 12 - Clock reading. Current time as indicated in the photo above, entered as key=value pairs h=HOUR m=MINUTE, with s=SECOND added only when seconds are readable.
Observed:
h=11 m=24
